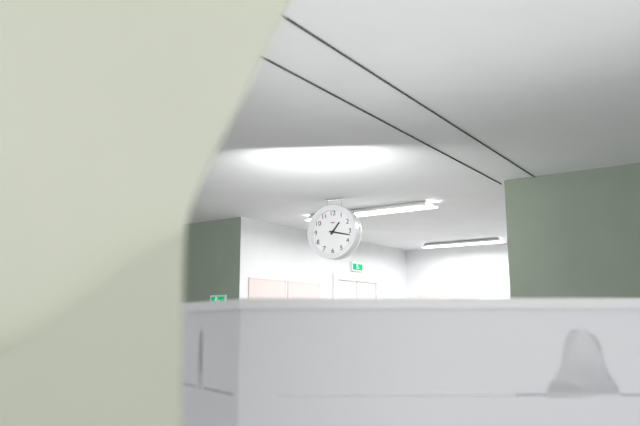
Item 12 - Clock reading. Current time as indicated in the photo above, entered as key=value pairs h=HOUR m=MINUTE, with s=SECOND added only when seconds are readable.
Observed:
h=1 m=17
